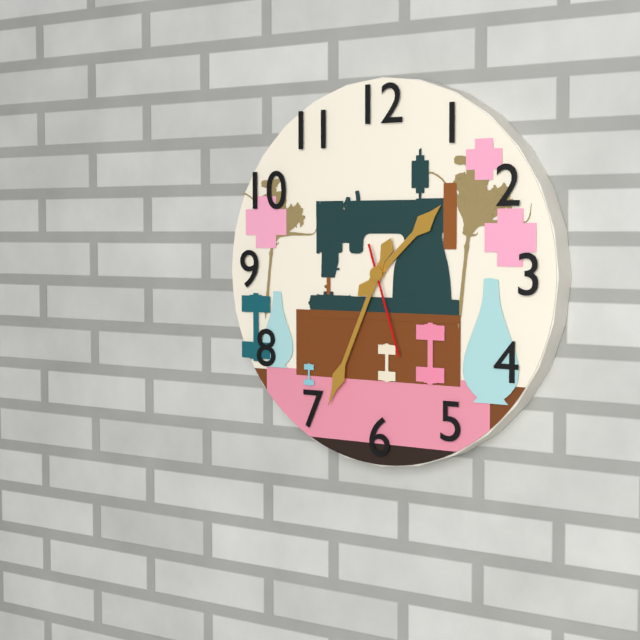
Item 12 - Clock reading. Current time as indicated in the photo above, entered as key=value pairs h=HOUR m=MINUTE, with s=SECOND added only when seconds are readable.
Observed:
h=1 m=34 s=27
